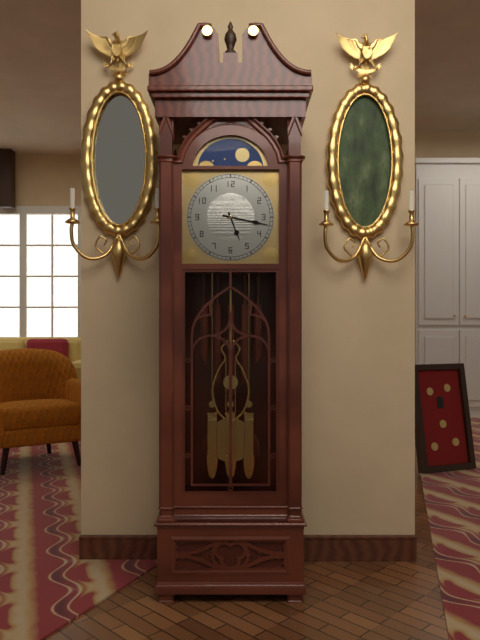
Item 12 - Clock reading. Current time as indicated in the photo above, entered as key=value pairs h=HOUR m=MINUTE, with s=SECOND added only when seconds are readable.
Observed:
h=5 m=17
